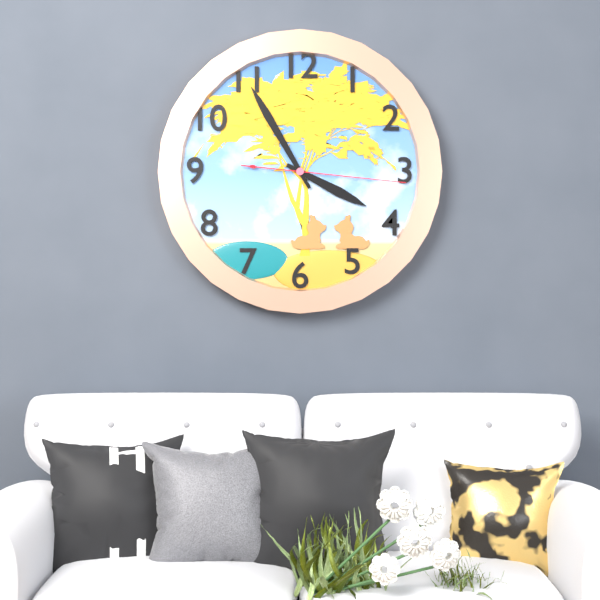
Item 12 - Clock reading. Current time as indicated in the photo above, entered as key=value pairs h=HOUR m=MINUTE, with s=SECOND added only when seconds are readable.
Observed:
h=3 m=55 s=16
